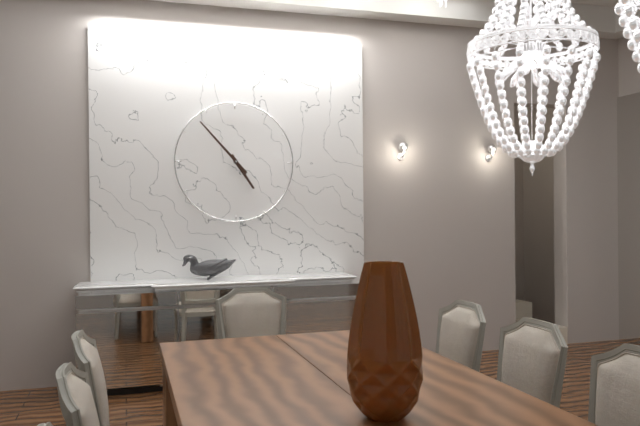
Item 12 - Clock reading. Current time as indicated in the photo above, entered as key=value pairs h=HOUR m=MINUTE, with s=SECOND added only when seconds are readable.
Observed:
h=4 m=53
